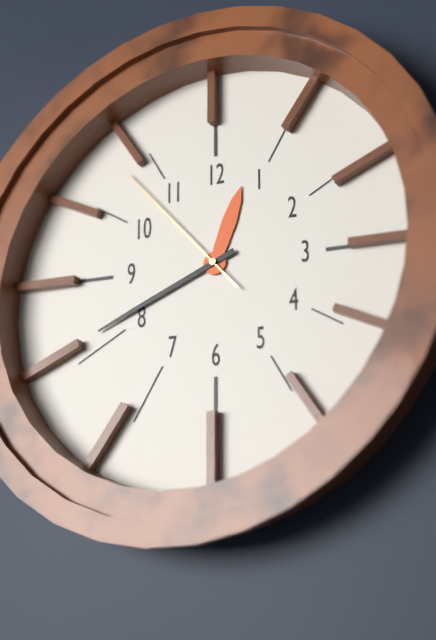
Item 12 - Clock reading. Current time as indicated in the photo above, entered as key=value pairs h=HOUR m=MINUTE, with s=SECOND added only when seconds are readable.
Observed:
h=12 m=41 s=53
